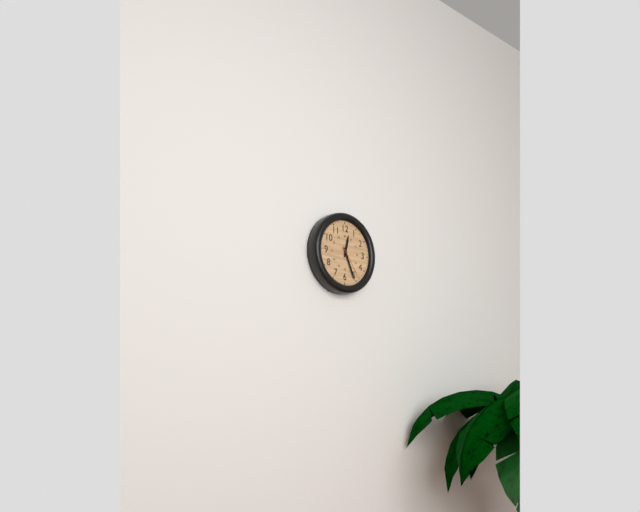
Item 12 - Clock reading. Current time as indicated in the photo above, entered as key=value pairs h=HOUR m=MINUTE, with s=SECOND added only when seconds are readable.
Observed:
h=12 m=26
